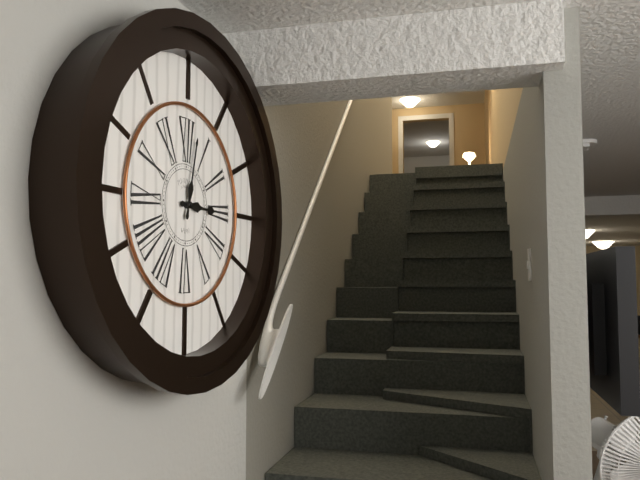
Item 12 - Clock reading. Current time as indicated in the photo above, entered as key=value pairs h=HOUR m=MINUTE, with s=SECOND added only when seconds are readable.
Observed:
h=3 m=2
